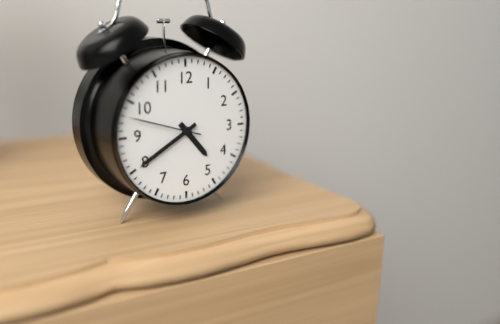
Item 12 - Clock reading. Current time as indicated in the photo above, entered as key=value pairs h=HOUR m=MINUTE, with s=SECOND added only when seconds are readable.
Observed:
h=4 m=40 s=48
